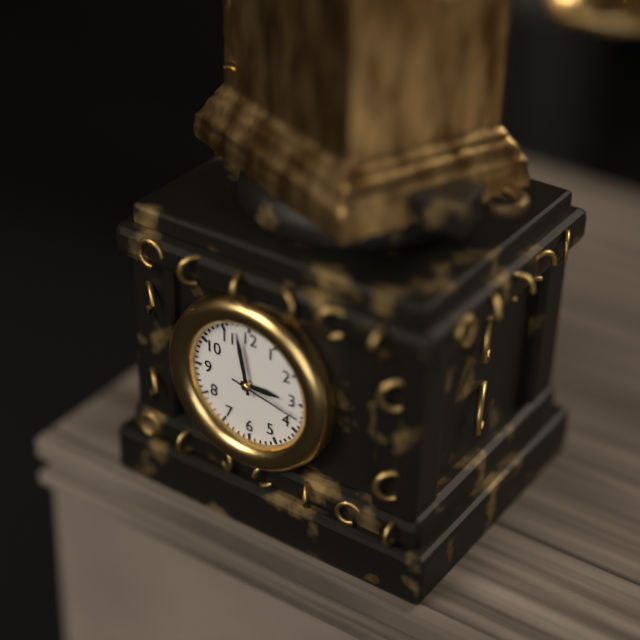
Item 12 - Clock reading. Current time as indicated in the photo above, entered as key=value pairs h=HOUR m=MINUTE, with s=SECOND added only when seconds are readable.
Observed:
h=2 m=58 s=17
